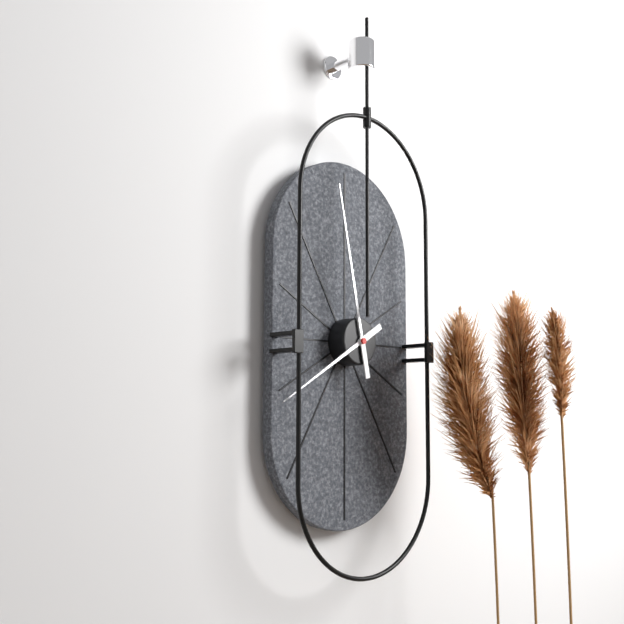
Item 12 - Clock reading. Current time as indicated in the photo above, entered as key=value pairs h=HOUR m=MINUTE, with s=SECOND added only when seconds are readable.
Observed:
h=7 m=58
